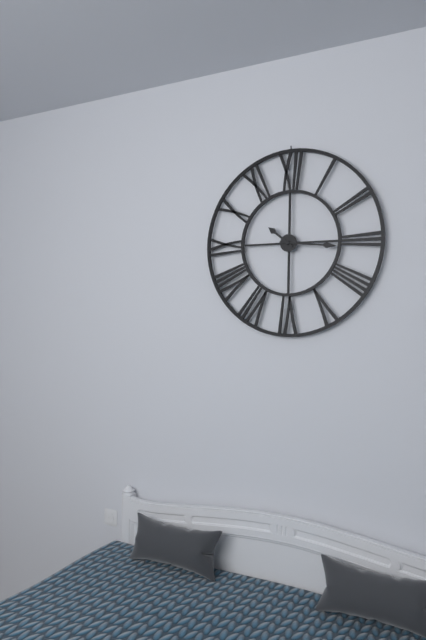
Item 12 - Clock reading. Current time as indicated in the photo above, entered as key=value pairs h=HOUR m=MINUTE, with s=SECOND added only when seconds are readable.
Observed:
h=10 m=16
